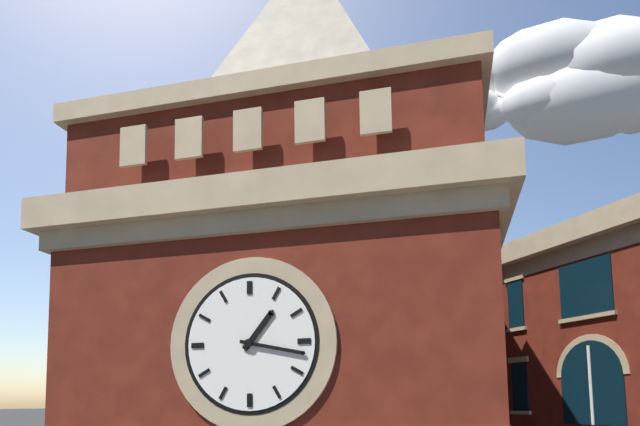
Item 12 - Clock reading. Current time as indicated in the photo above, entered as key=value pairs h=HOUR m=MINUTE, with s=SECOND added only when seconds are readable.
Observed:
h=1 m=17
